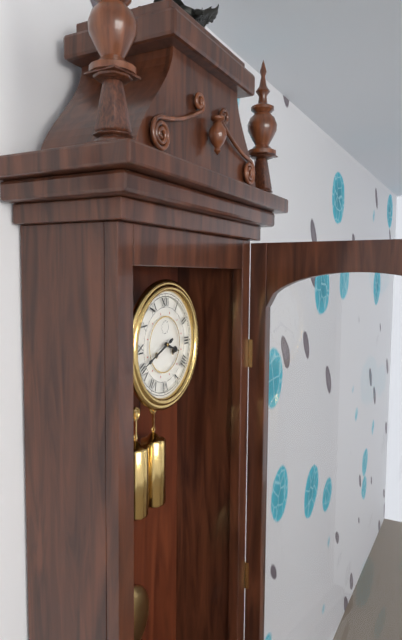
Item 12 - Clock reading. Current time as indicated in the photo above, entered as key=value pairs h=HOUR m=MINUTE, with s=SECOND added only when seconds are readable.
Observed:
h=3 m=41
